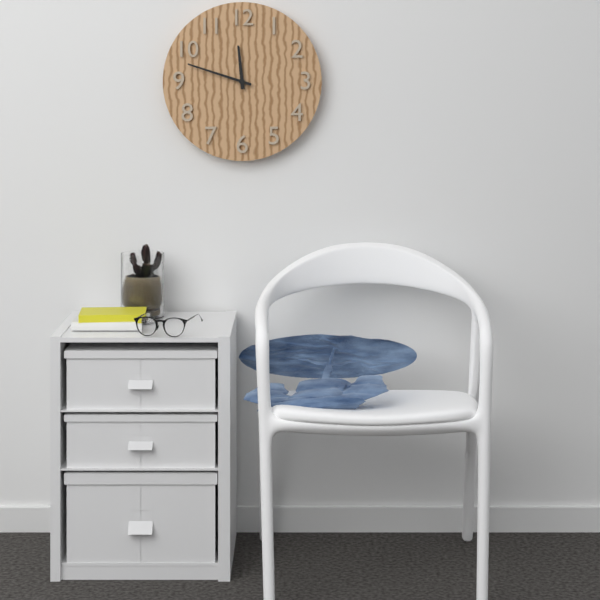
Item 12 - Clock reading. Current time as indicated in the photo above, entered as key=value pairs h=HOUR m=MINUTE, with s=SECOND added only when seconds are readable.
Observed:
h=11 m=48
